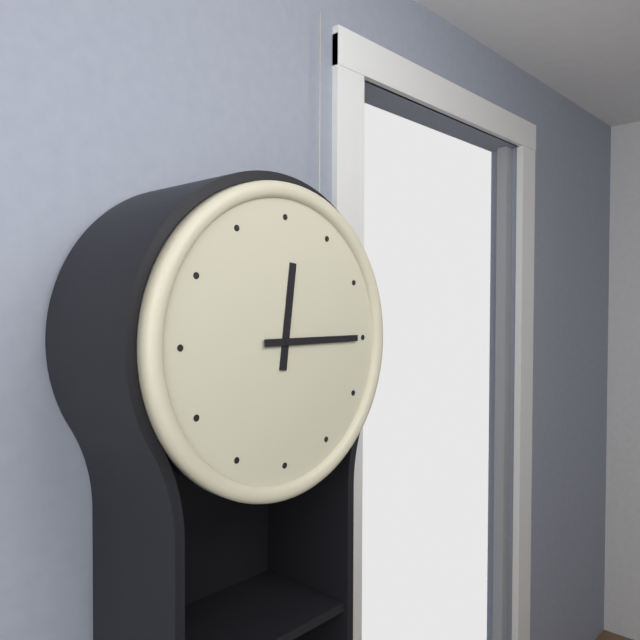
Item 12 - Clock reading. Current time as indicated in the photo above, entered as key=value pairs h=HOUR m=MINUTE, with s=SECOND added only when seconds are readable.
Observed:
h=12 m=15
